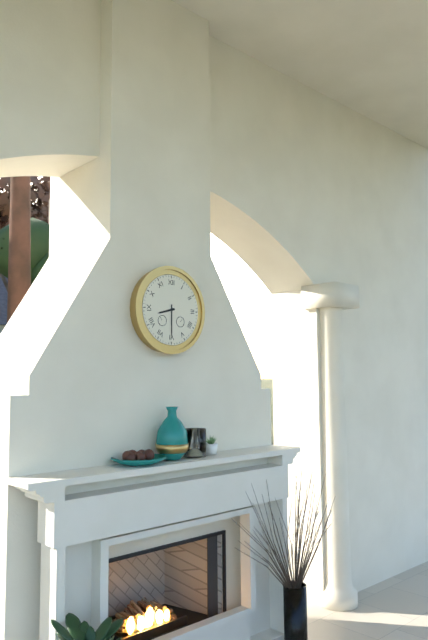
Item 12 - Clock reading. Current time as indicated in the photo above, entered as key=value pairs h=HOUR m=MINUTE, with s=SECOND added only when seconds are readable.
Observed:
h=8 m=30
